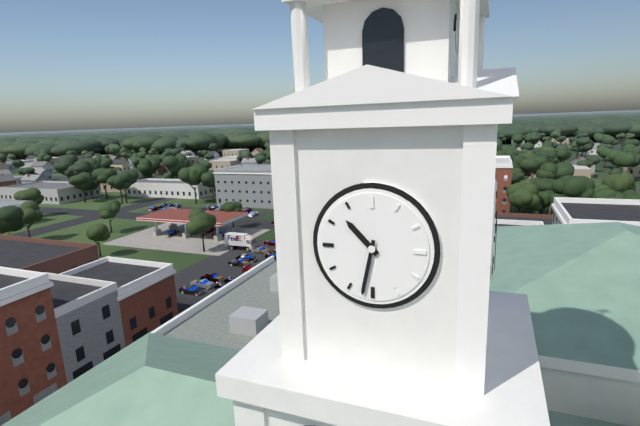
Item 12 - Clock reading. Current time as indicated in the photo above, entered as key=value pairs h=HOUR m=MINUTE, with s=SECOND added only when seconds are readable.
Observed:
h=10 m=32
